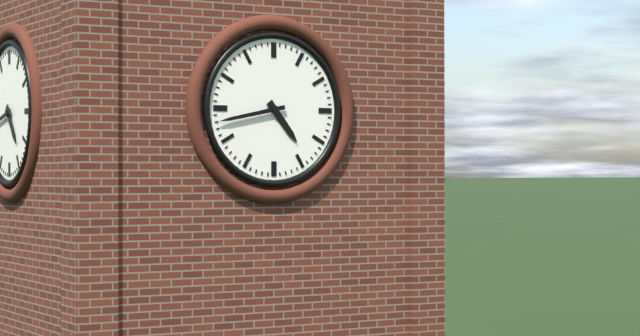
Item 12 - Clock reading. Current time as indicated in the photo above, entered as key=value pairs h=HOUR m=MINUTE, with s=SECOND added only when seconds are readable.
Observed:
h=4 m=43
